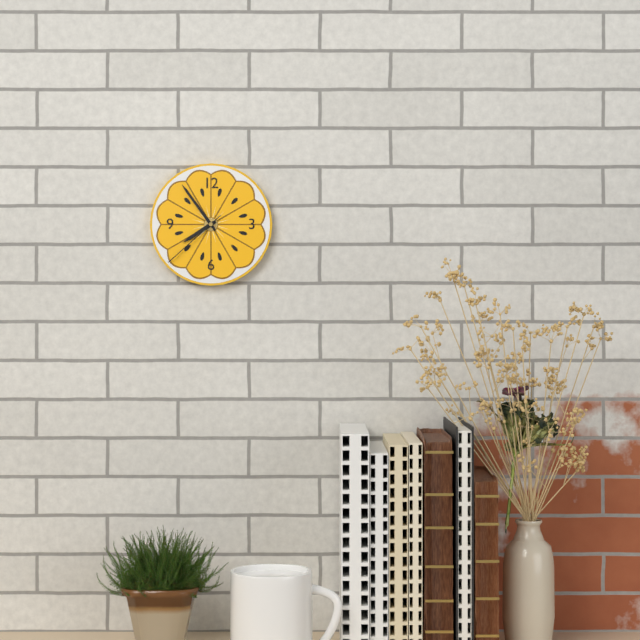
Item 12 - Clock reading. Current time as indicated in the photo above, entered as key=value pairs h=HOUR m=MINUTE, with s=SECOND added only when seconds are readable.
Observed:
h=7 m=54 s=38
